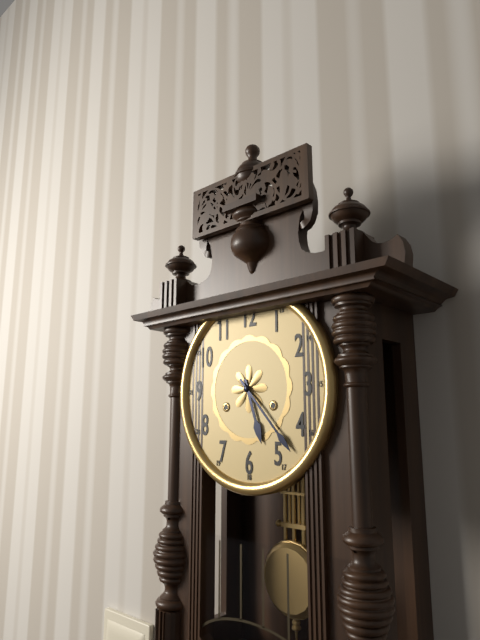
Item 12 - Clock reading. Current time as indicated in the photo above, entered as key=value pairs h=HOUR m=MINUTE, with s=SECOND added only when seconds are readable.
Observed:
h=5 m=23
